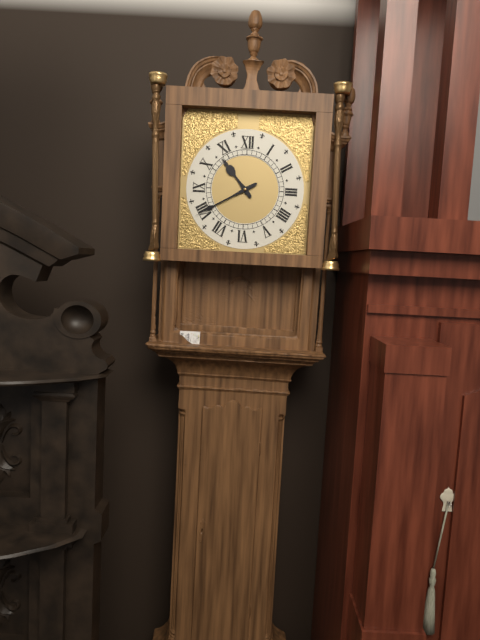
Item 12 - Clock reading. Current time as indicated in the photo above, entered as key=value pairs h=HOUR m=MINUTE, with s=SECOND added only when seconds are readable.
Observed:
h=10 m=40
